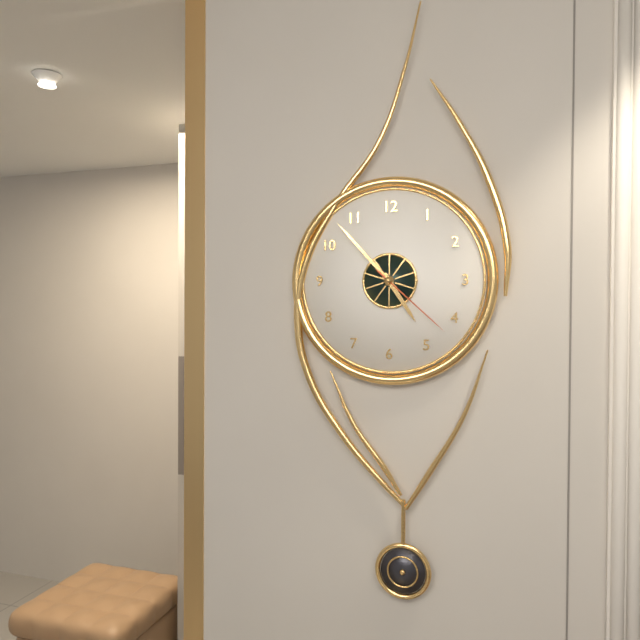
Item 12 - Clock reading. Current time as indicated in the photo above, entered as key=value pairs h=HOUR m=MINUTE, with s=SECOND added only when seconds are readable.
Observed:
h=4 m=53 s=22
